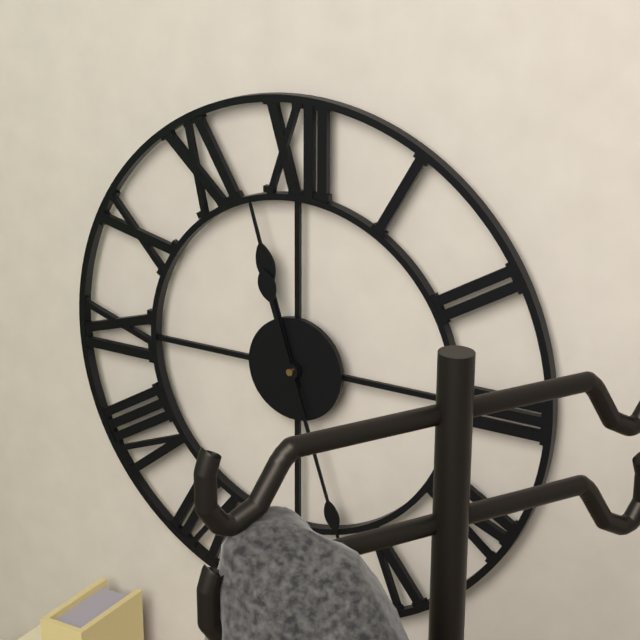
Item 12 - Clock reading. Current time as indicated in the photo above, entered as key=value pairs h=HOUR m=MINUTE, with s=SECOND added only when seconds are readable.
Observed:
h=11 m=27
